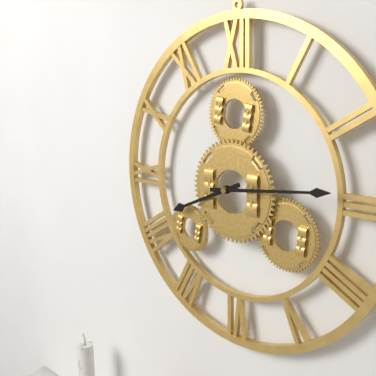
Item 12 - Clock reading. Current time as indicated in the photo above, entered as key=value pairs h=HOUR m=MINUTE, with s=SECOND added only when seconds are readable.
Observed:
h=8 m=14
